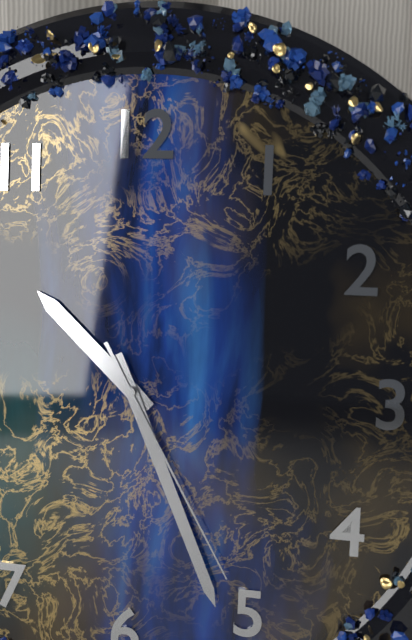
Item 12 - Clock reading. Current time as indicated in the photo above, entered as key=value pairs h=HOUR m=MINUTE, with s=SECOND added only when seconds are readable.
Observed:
h=10 m=26 s=25
